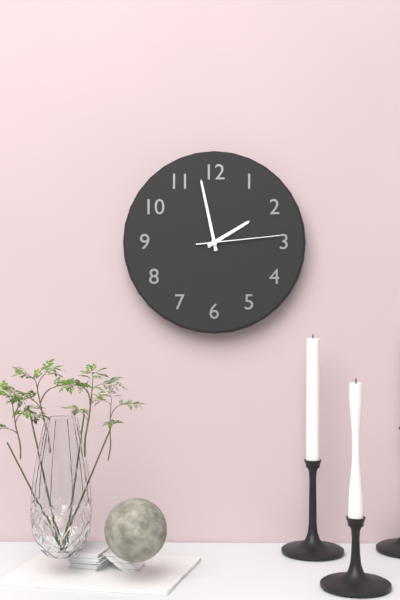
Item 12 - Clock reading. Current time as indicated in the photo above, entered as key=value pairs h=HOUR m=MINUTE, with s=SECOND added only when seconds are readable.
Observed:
h=1 m=58 s=14
